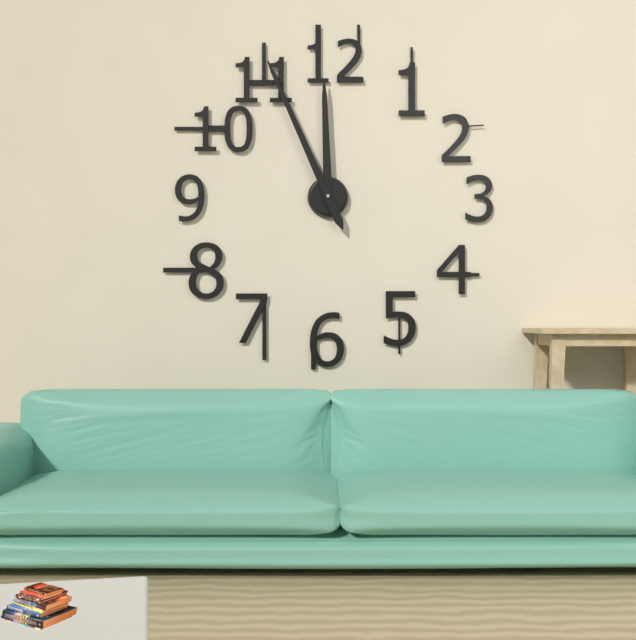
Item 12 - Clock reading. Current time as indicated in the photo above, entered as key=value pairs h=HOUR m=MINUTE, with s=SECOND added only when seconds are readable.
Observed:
h=11 m=56
